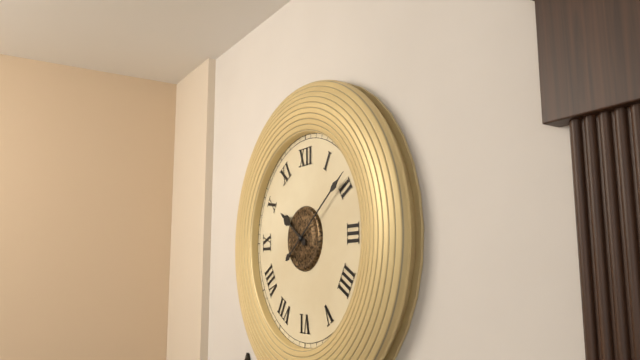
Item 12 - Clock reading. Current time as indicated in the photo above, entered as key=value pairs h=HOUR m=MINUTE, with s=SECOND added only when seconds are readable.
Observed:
h=10 m=9
